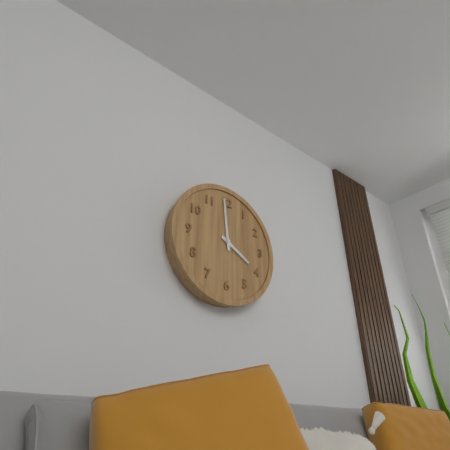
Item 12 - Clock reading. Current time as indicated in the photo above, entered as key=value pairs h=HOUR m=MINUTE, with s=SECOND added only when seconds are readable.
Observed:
h=3 m=59
